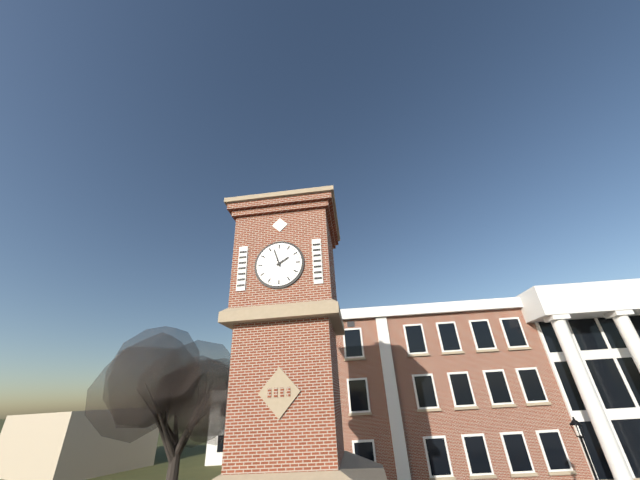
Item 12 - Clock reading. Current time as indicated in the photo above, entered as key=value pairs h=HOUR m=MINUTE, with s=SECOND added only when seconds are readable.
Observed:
h=1 m=57
